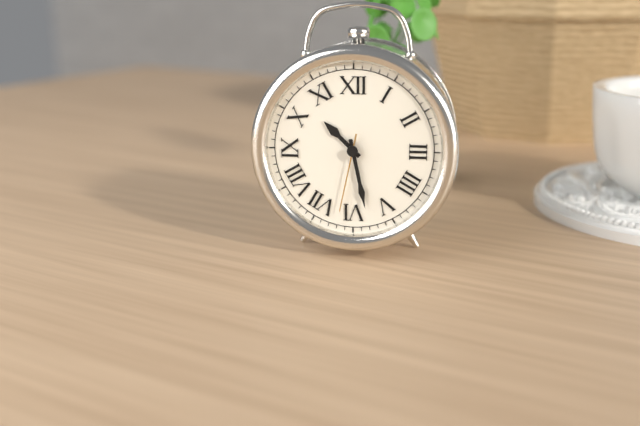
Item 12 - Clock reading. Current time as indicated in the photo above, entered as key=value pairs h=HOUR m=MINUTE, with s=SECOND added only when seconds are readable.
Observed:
h=10 m=28 s=32
